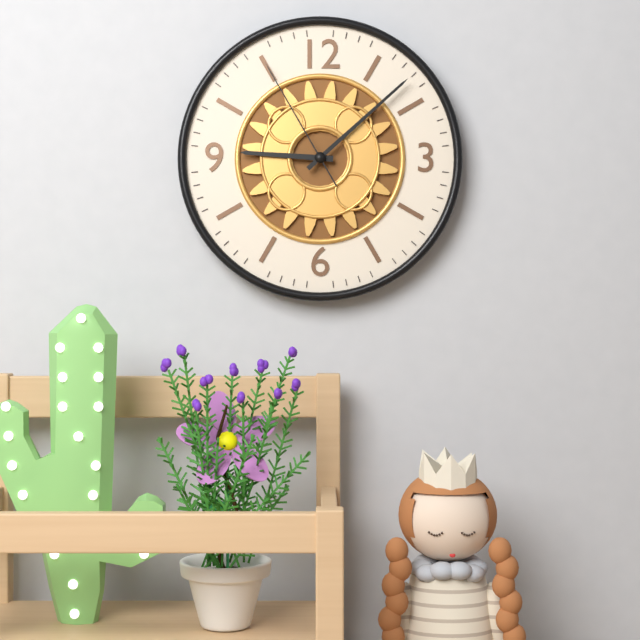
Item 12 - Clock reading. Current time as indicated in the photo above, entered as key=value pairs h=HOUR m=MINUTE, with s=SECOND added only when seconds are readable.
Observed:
h=9 m=8 s=55
